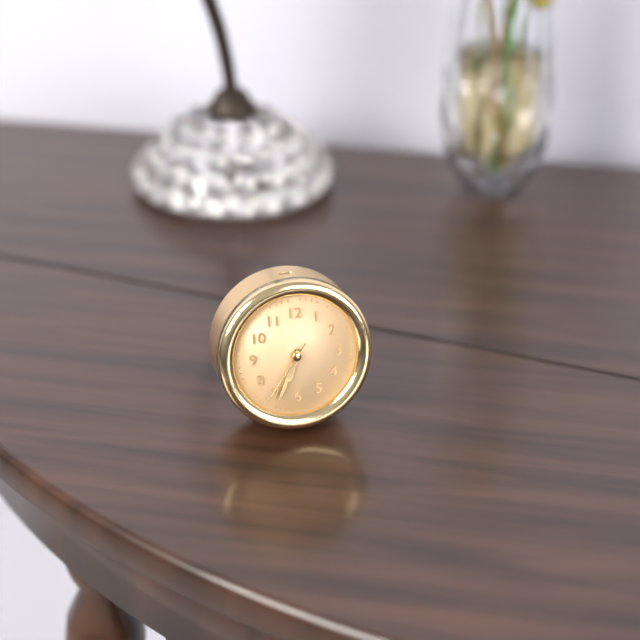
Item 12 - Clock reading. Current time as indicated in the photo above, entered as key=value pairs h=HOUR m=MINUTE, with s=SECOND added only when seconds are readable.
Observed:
h=6 m=34 s=36
